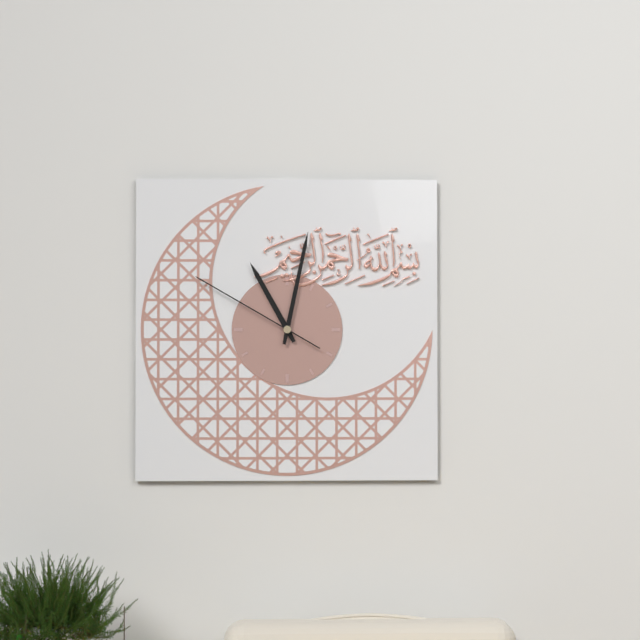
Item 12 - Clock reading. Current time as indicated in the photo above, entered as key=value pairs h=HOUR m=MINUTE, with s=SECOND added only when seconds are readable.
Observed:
h=11 m=2 s=50
